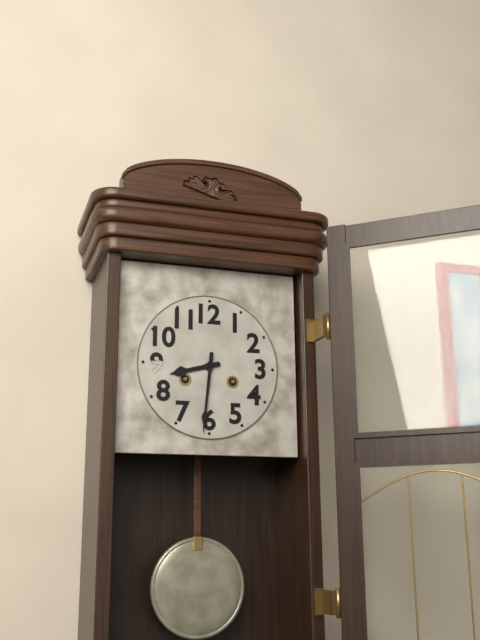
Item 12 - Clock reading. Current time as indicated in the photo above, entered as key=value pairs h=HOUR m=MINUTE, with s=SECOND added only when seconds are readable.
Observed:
h=8 m=31
